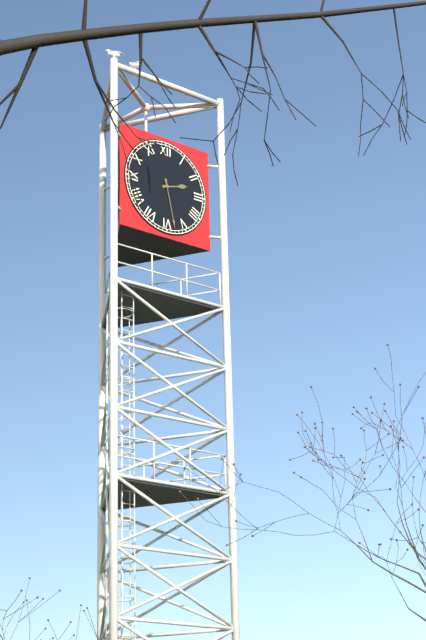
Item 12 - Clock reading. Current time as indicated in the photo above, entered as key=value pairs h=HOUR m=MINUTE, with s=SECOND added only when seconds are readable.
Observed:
h=2 m=28
